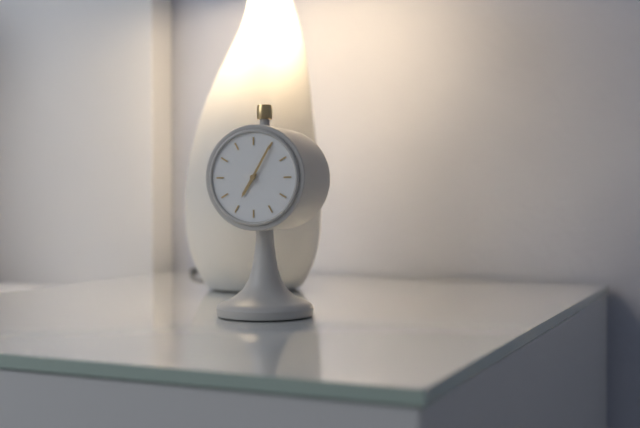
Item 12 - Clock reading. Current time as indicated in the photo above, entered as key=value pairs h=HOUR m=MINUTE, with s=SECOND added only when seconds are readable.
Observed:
h=7 m=5
